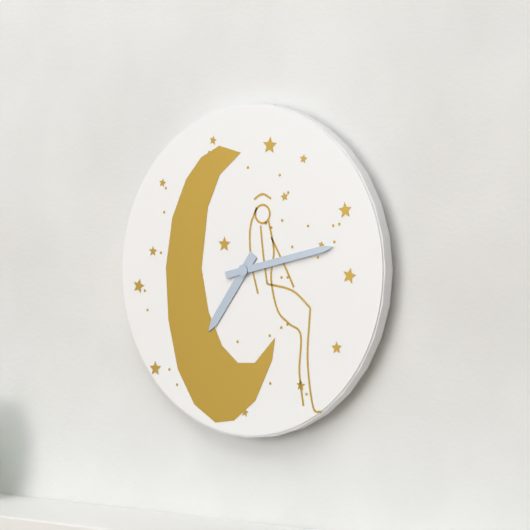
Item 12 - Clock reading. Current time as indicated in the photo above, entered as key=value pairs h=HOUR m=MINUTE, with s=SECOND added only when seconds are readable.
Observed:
h=7 m=13
